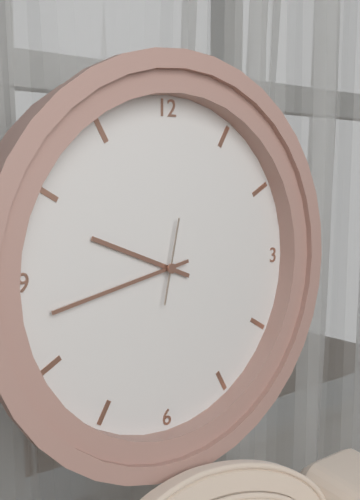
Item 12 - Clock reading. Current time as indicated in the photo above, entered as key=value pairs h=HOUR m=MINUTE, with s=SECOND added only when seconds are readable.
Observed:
h=9 m=43 s=2
